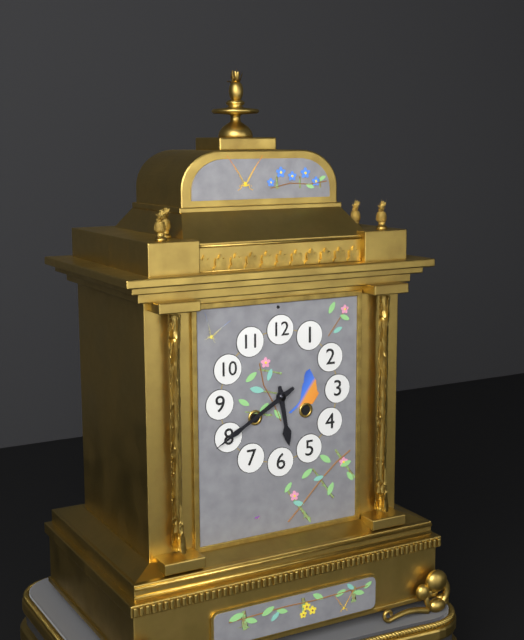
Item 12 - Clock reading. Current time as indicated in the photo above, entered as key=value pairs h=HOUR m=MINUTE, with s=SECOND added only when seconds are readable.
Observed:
h=5 m=40
